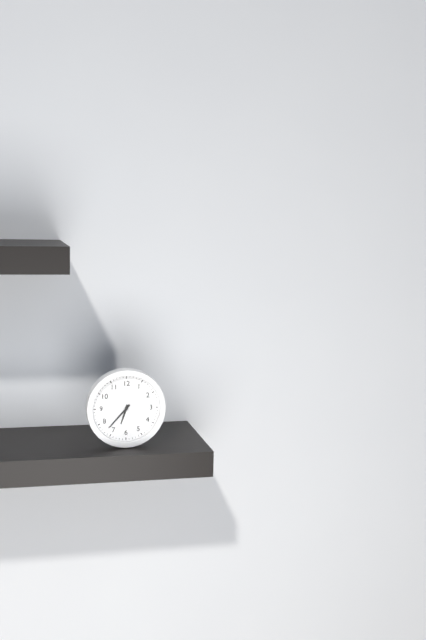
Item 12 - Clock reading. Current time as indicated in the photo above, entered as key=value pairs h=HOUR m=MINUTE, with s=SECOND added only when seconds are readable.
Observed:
h=6 m=37
